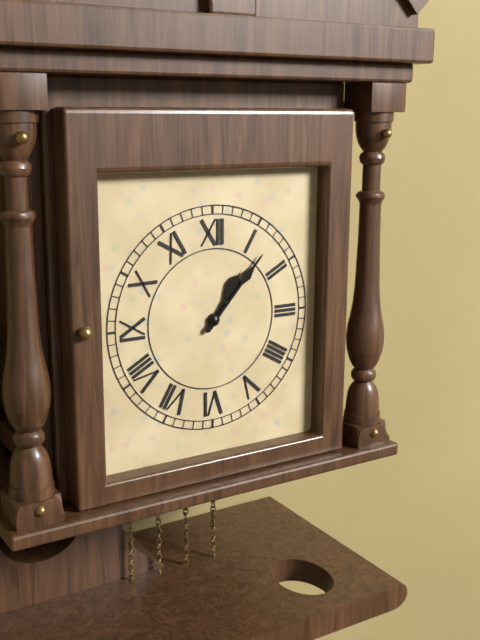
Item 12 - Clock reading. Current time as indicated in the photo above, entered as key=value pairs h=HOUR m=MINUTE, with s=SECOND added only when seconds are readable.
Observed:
h=1 m=7
